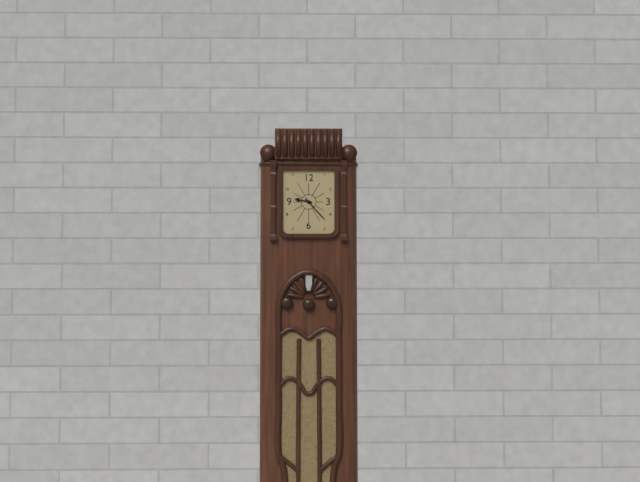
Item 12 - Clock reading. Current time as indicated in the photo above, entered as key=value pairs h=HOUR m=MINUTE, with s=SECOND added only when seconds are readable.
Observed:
h=9 m=23
